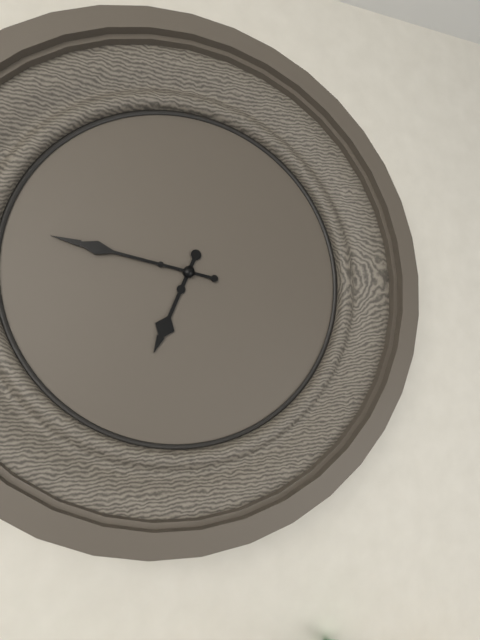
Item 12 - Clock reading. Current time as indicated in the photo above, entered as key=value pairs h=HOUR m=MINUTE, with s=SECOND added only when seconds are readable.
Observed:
h=6 m=47
